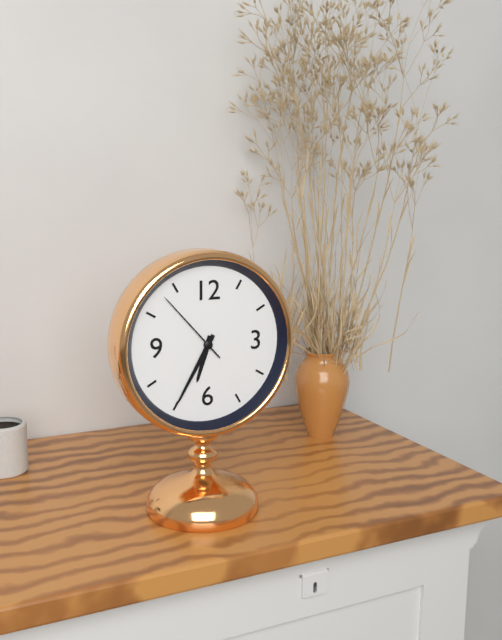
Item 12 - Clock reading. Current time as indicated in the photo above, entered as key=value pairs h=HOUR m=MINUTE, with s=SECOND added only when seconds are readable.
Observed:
h=6 m=35 s=53
